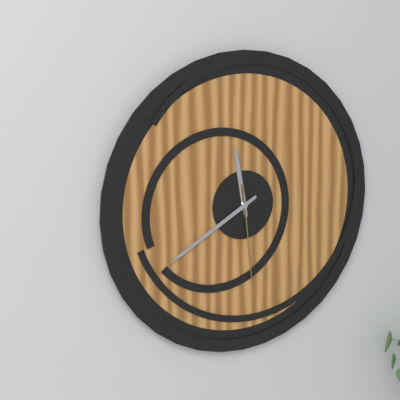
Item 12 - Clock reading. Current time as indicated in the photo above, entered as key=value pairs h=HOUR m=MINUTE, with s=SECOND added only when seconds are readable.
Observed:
h=11 m=40 s=29
